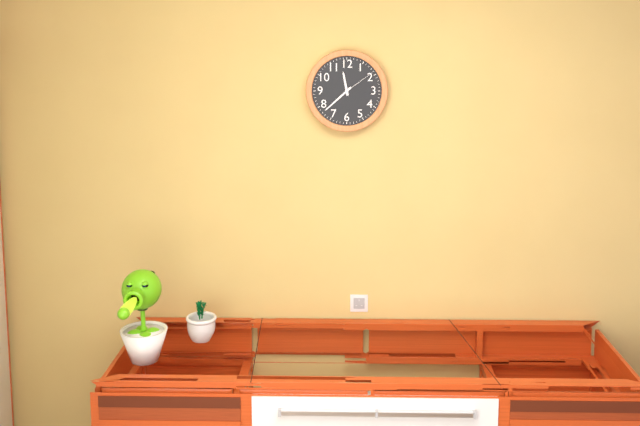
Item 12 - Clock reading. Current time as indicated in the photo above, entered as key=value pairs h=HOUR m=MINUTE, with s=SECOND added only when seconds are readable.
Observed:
h=11 m=38
